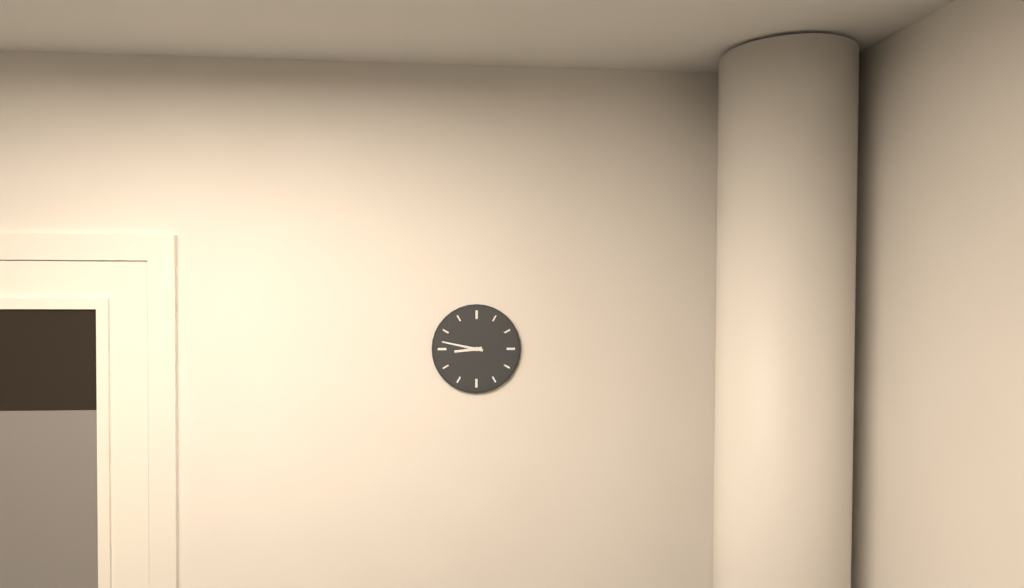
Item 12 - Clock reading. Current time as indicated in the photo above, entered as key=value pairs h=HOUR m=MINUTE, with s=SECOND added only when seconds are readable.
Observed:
h=8 m=47
